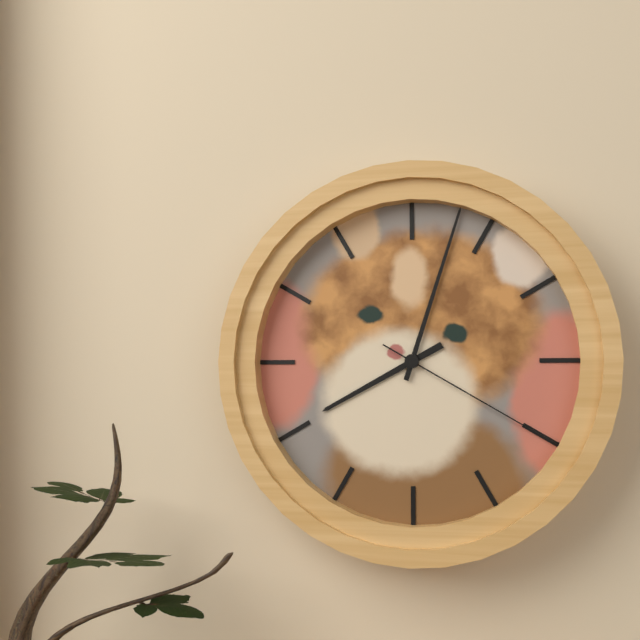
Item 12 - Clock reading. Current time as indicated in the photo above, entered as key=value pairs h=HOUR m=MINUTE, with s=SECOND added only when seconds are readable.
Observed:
h=8 m=3 s=20
